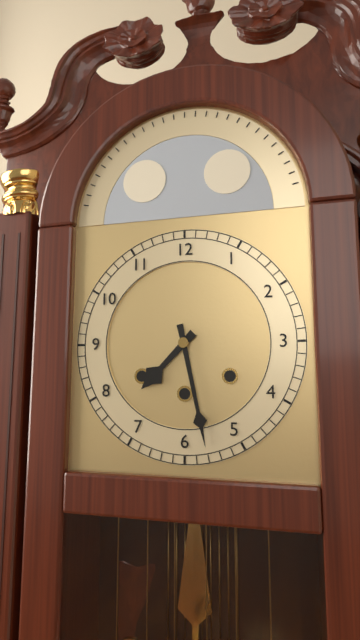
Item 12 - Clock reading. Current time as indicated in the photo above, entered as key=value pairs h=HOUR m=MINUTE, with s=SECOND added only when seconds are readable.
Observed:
h=7 m=28
